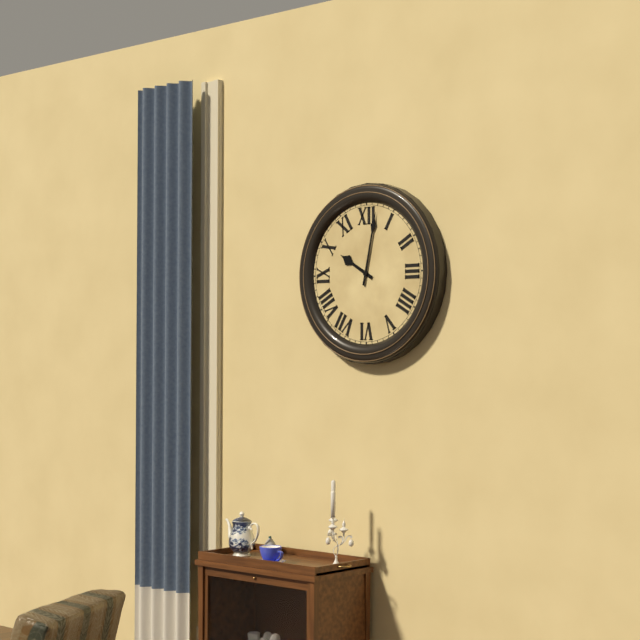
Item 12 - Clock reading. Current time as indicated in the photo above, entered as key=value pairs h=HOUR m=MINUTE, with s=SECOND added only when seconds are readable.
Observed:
h=10 m=2
